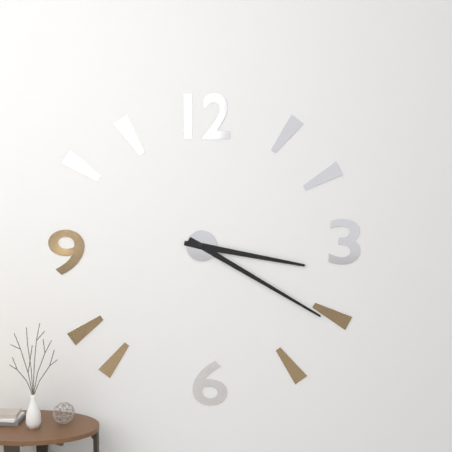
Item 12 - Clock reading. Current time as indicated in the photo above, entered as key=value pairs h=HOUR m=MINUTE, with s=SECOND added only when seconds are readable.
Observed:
h=3 m=20
